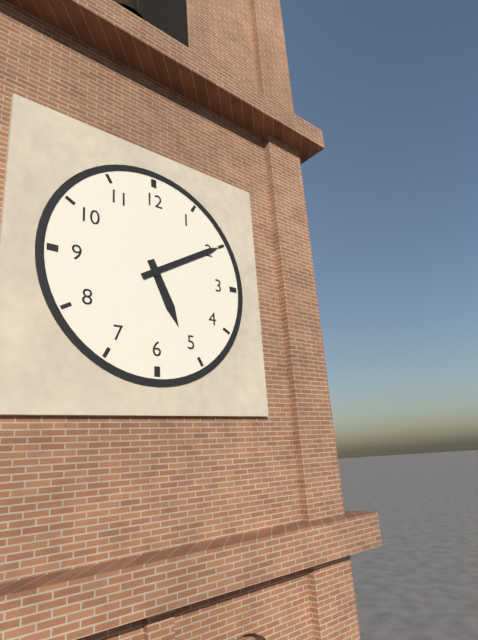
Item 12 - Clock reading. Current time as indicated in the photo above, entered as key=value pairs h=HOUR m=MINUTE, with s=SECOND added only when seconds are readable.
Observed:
h=5 m=10
